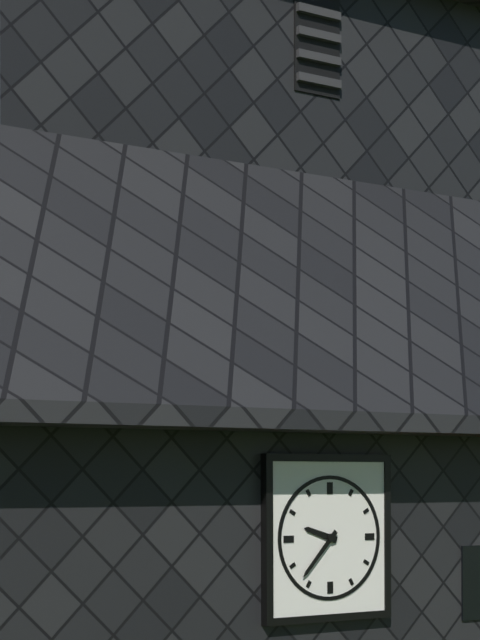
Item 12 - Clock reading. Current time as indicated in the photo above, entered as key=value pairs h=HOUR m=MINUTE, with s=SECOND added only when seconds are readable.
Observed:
h=9 m=37
